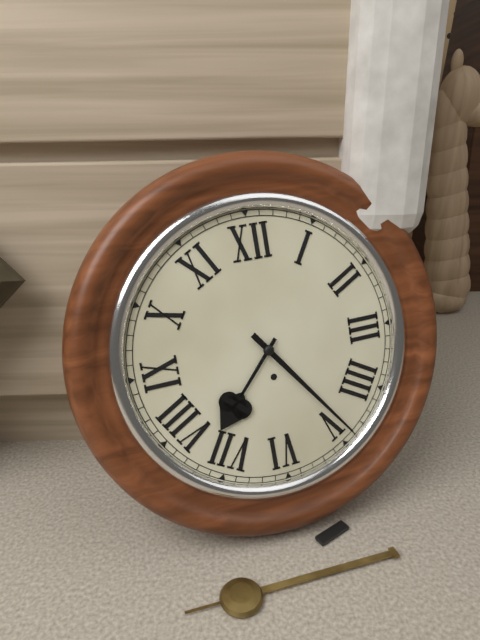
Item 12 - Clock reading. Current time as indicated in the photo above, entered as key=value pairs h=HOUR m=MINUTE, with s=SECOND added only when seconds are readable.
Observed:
h=7 m=24
